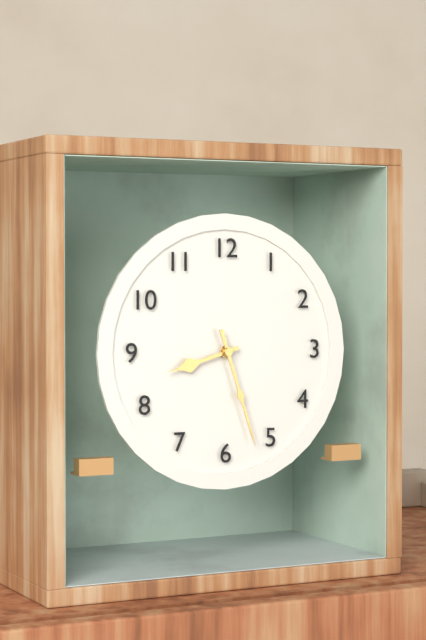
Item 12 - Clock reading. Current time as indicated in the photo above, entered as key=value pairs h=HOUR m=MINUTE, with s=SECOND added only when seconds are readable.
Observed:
h=8 m=27
